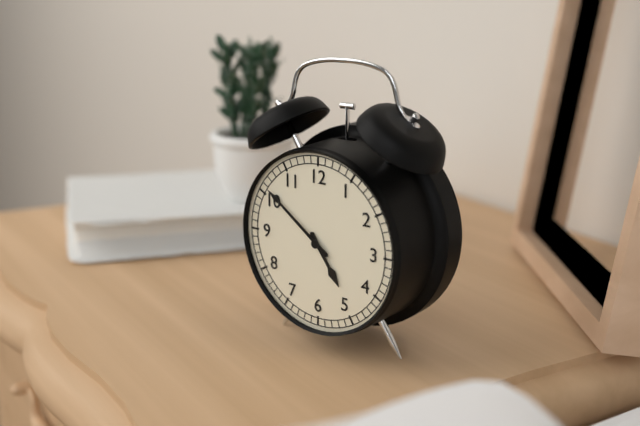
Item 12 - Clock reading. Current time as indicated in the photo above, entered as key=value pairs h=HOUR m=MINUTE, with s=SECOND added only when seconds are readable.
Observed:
h=4 m=51
